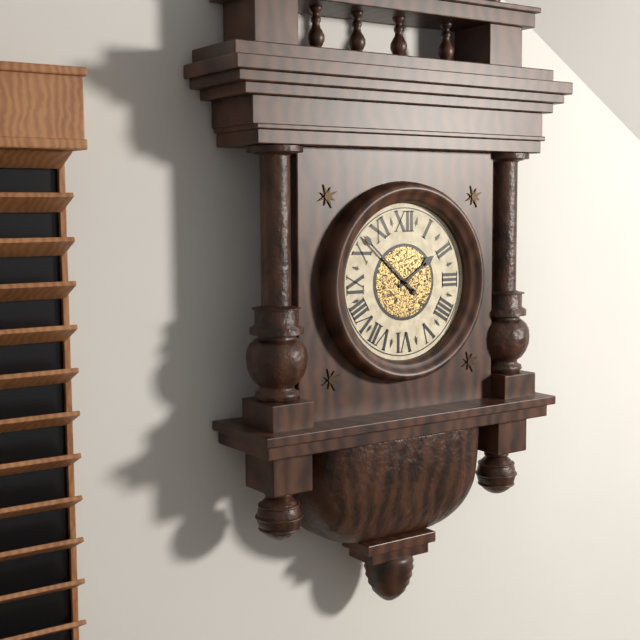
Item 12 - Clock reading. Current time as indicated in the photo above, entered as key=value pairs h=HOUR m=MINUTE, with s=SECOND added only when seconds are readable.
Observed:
h=1 m=52
